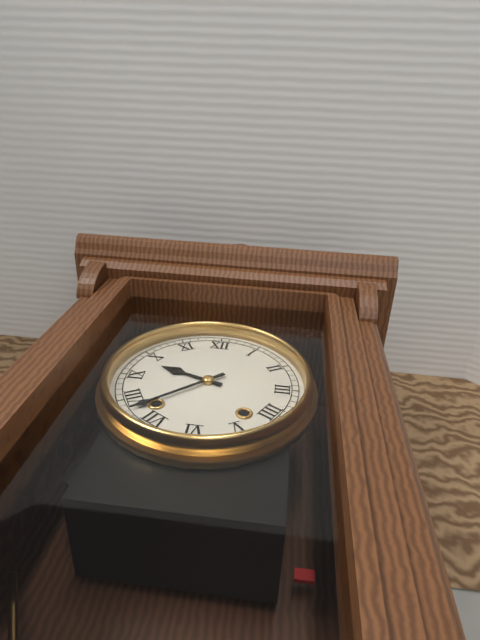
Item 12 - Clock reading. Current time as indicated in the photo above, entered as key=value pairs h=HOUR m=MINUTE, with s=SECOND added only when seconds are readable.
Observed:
h=9 m=38
